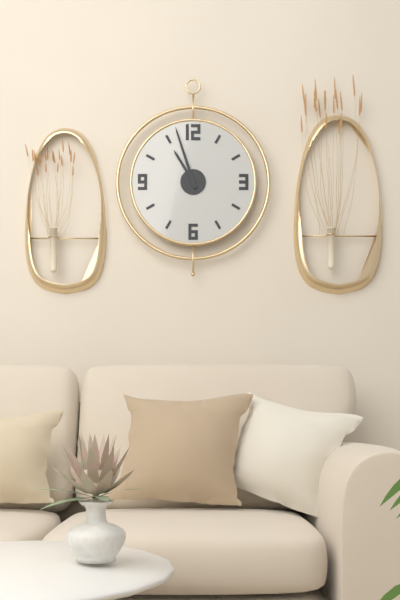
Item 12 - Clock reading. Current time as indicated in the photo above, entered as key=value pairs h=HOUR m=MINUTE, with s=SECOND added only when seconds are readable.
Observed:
h=10 m=57
